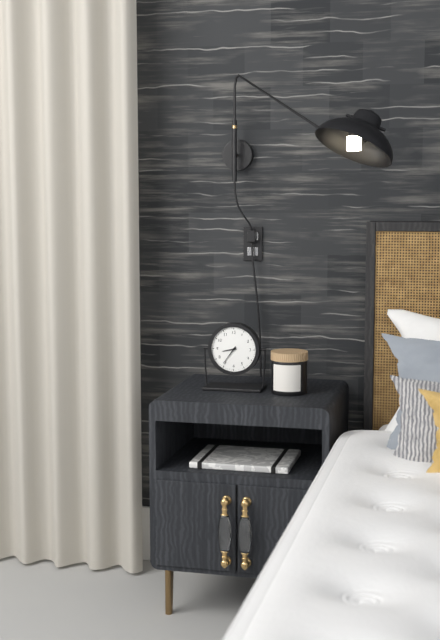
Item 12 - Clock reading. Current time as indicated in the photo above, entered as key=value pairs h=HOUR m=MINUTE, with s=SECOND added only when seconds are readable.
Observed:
h=8 m=36
